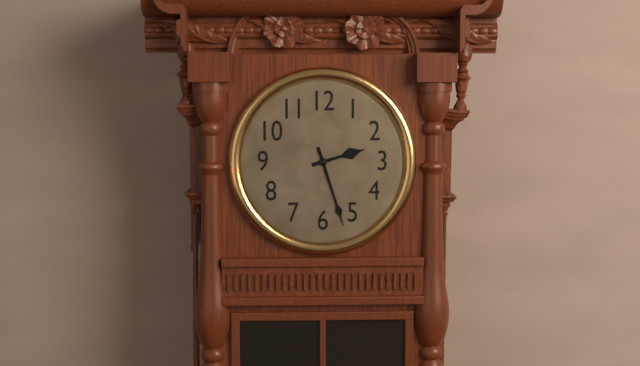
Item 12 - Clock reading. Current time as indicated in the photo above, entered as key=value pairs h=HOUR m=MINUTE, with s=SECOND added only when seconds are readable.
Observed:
h=2 m=27
